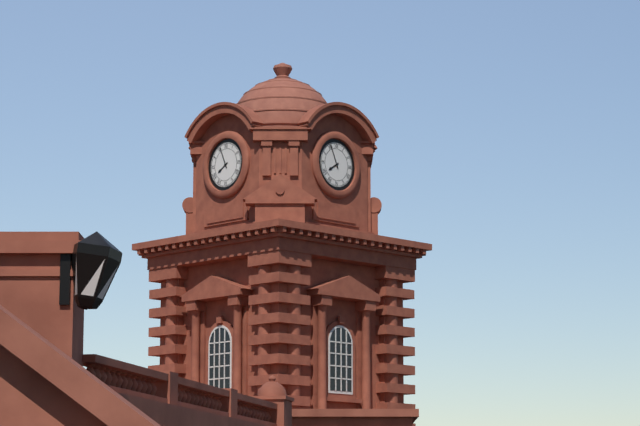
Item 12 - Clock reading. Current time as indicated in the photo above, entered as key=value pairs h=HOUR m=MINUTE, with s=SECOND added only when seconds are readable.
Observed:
h=7 m=56
